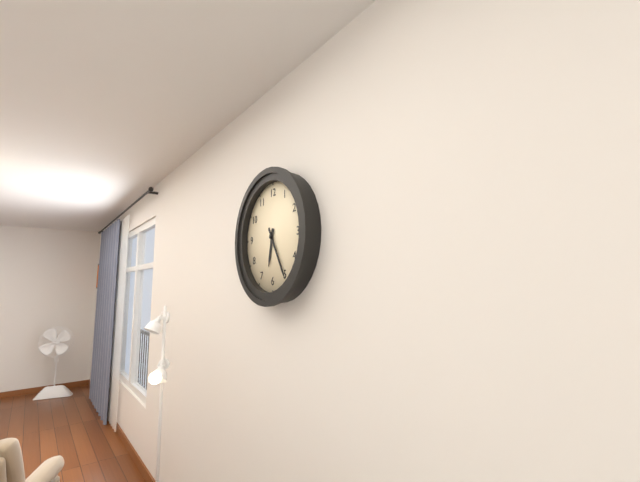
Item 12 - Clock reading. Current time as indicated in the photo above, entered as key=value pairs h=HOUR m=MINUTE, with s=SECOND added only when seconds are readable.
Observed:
h=6 m=25
